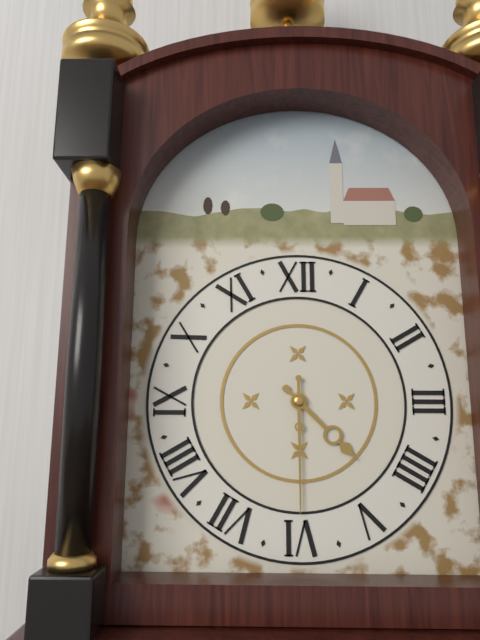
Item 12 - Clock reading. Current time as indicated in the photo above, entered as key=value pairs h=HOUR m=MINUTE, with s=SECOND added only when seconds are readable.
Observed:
h=4 m=30
